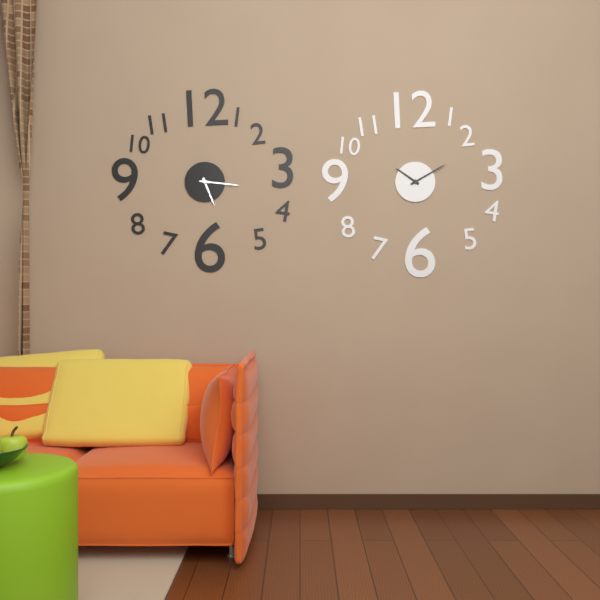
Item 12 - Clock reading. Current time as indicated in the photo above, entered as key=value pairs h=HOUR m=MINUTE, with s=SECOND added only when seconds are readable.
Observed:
h=5 m=16
